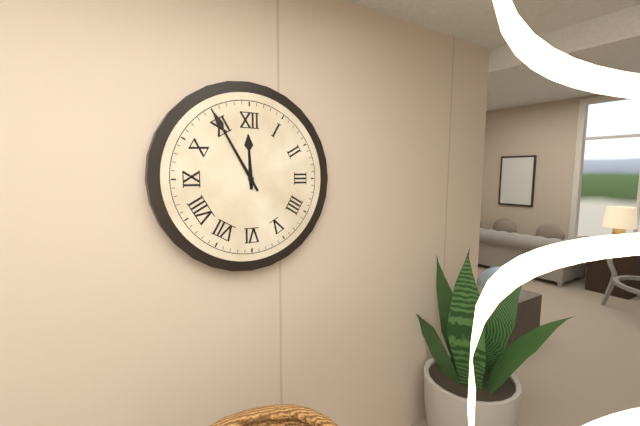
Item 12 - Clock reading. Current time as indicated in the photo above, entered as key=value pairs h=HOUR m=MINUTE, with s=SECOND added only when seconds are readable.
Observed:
h=11 m=55
